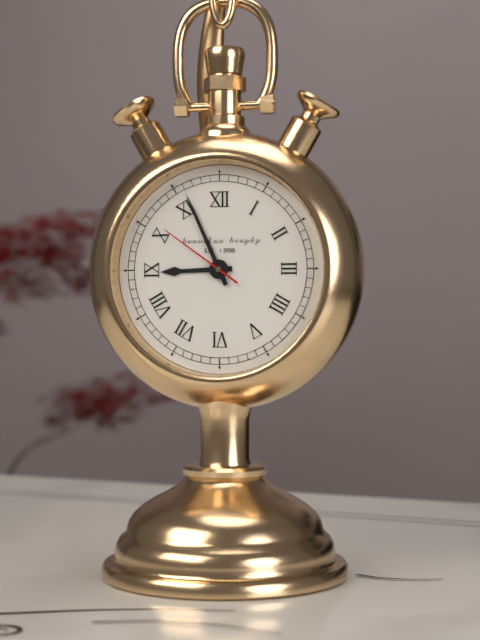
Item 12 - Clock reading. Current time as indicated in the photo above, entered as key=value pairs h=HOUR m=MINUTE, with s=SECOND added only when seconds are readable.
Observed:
h=8 m=56 s=51
